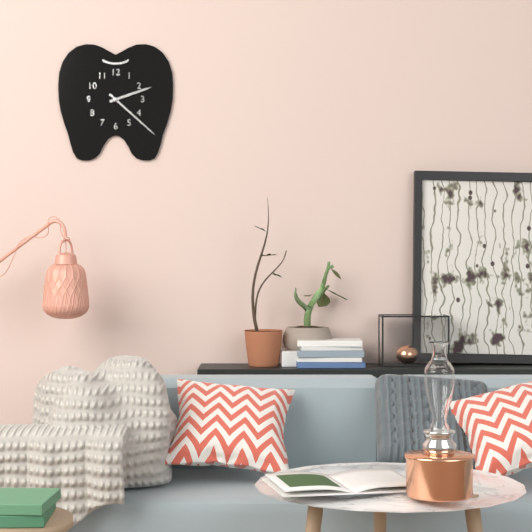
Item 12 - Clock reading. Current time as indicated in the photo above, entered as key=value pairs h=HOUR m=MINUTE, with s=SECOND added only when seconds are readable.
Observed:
h=2 m=22
